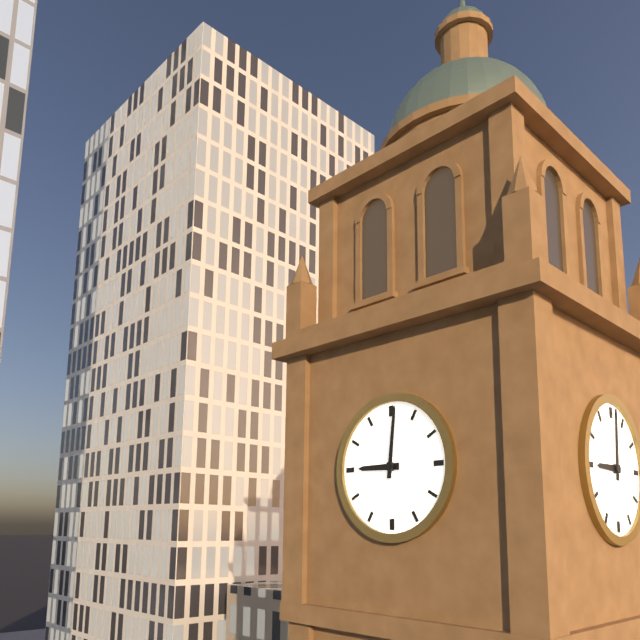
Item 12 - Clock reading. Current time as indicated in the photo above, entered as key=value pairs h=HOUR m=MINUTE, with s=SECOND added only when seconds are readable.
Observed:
h=9 m=1
